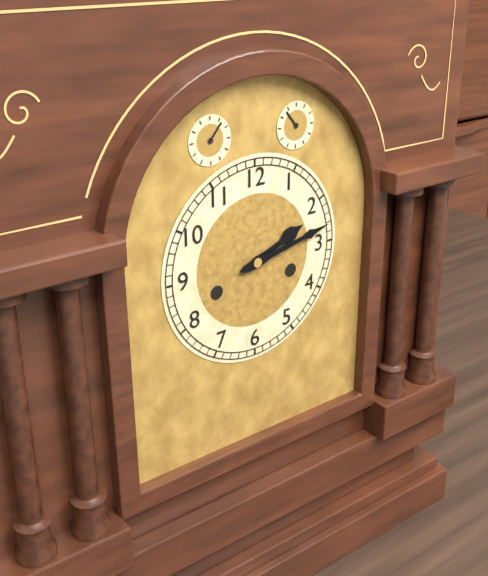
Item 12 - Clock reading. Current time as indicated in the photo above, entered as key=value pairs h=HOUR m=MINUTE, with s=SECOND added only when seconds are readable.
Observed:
h=2 m=13
